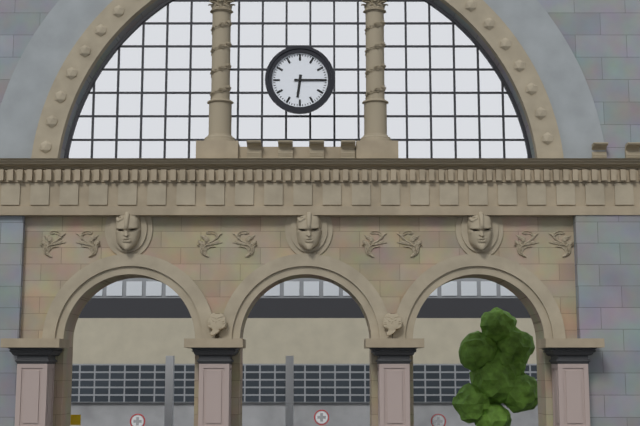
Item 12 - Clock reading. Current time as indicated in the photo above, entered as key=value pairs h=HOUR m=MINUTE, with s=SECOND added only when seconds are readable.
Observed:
h=6 m=15
